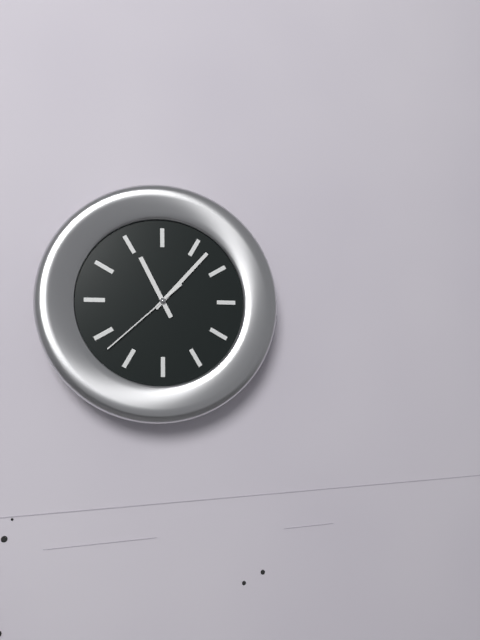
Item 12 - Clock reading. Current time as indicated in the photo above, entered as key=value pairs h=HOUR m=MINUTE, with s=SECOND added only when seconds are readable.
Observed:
h=11 m=7 s=38
